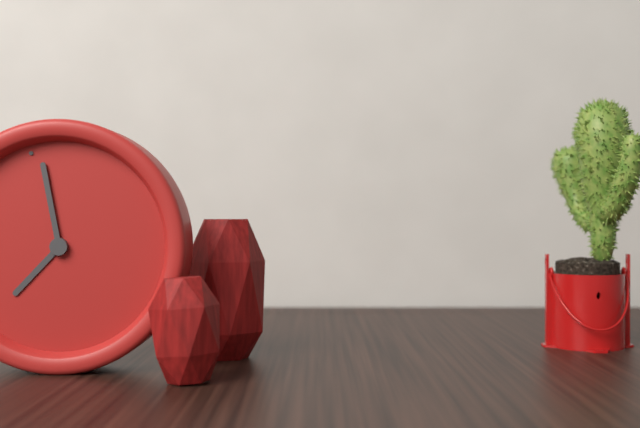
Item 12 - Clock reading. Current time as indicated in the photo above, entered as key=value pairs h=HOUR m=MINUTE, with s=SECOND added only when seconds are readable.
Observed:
h=8 m=1
